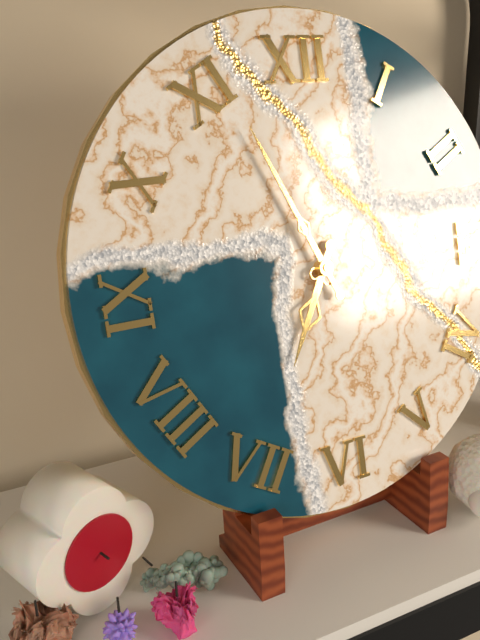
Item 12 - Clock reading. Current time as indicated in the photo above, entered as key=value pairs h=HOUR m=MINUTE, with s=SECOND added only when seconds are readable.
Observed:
h=6 m=56
